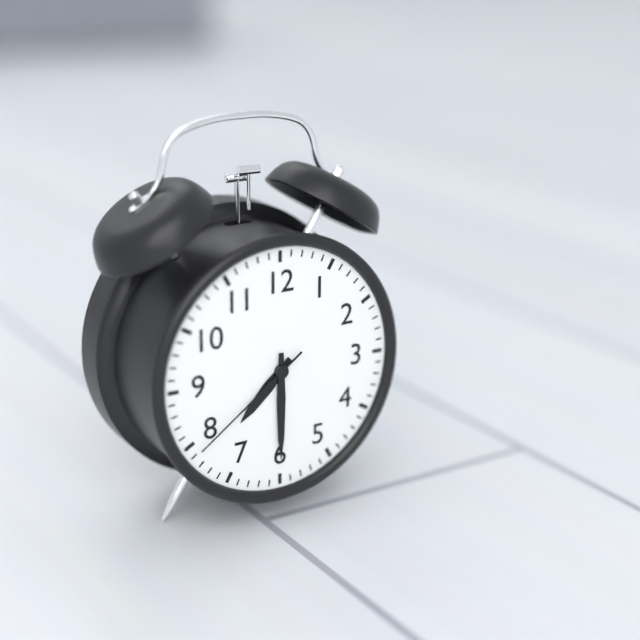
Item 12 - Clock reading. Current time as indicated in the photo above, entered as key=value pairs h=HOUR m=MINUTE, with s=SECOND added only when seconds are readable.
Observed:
h=7 m=30 s=39
